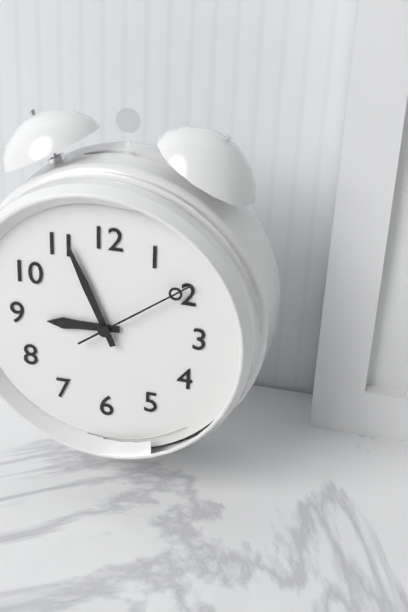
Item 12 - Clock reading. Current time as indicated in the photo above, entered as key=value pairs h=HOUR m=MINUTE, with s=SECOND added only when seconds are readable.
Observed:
h=8 m=56 s=9
